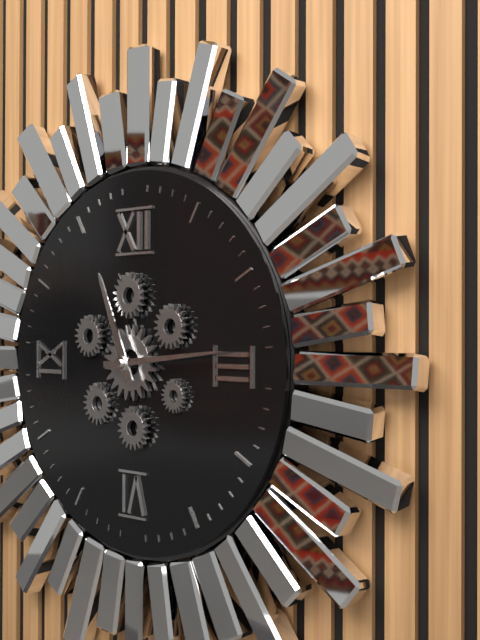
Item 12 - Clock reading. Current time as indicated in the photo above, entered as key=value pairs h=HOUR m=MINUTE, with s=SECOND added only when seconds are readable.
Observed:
h=11 m=14
